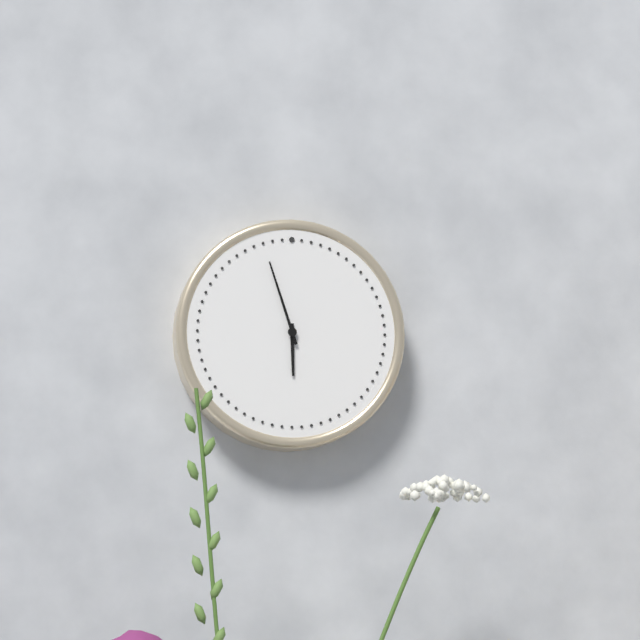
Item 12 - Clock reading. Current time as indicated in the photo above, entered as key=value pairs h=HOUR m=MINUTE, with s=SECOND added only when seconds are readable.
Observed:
h=5 m=57
